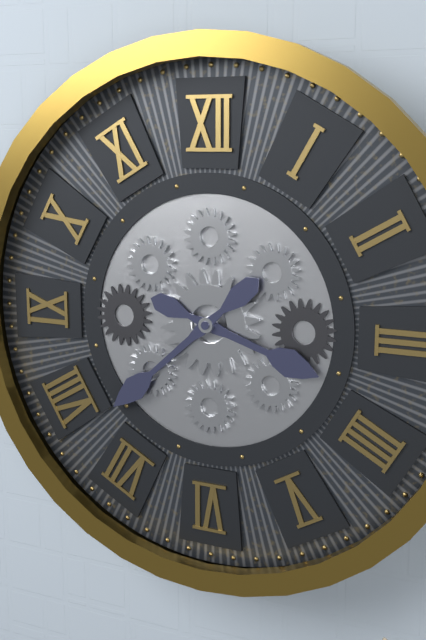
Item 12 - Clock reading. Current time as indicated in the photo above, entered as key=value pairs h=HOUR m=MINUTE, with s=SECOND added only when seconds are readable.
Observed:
h=3 m=38
